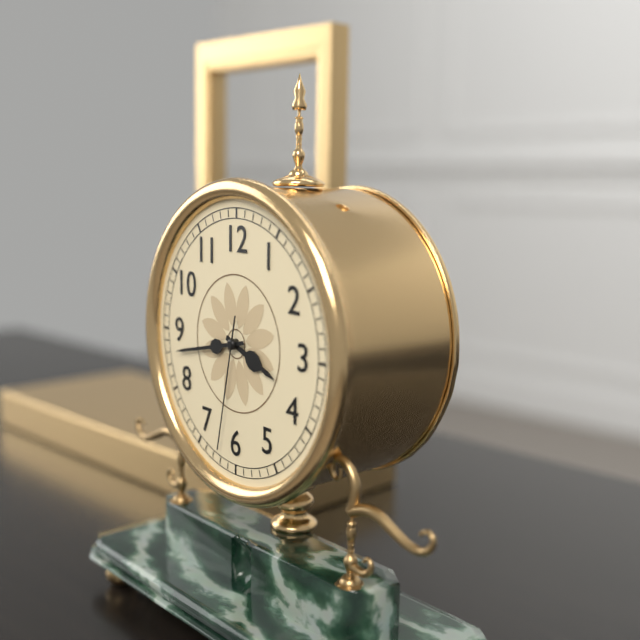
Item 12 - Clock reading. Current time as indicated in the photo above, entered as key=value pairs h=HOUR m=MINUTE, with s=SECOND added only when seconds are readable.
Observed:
h=3 m=43 s=32
